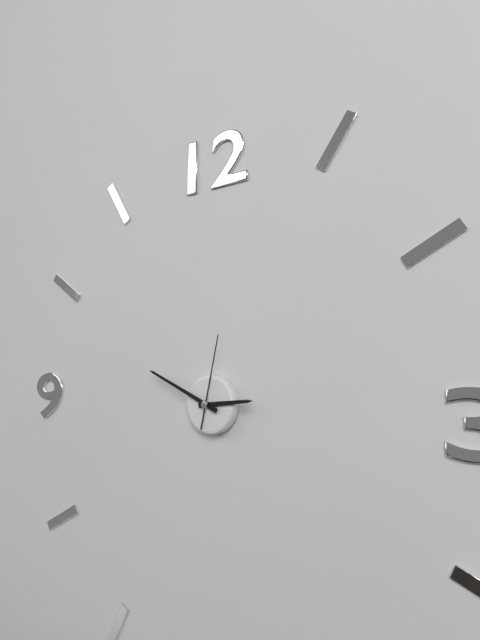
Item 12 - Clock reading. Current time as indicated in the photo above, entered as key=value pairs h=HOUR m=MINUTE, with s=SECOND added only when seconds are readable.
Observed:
h=2 m=49 s=2
